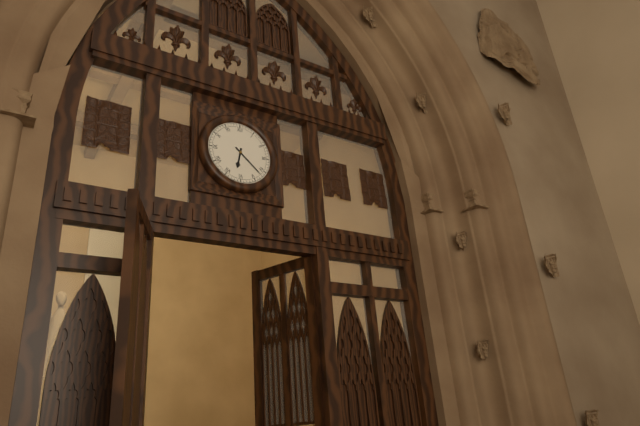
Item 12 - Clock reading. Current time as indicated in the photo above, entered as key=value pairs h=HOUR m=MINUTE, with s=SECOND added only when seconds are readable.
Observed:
h=6 m=22
